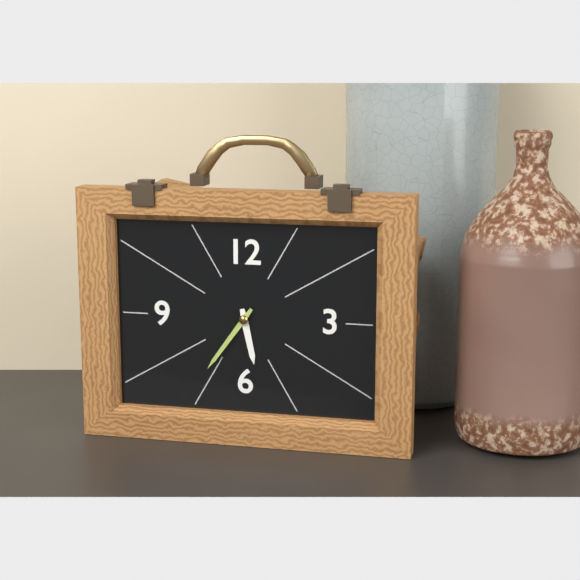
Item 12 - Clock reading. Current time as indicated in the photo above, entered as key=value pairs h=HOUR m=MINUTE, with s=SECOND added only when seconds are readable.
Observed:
h=5 m=36
